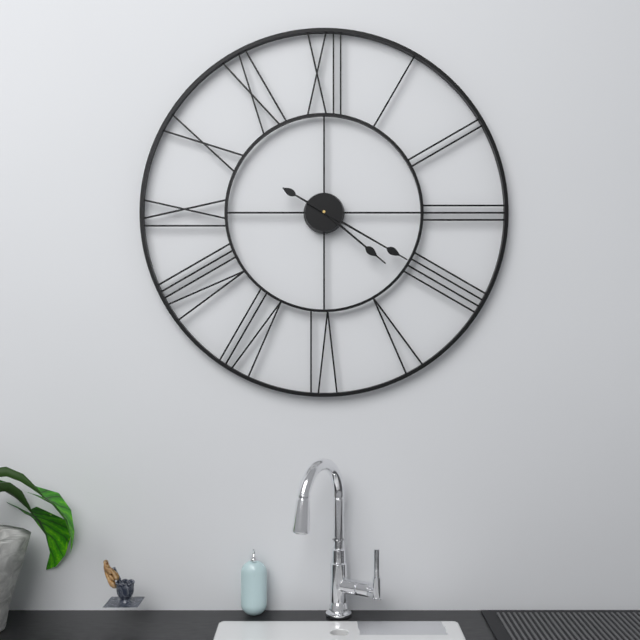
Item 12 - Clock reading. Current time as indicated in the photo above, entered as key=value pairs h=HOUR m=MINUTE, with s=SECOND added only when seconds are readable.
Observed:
h=4 m=20
